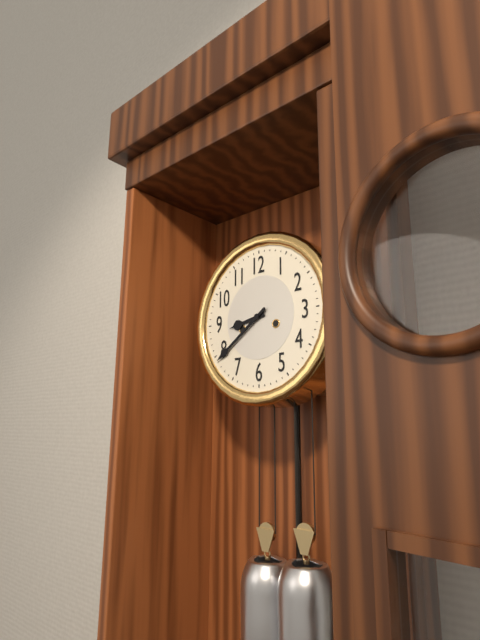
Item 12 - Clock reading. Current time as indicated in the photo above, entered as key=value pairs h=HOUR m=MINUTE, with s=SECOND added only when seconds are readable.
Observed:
h=8 m=39
